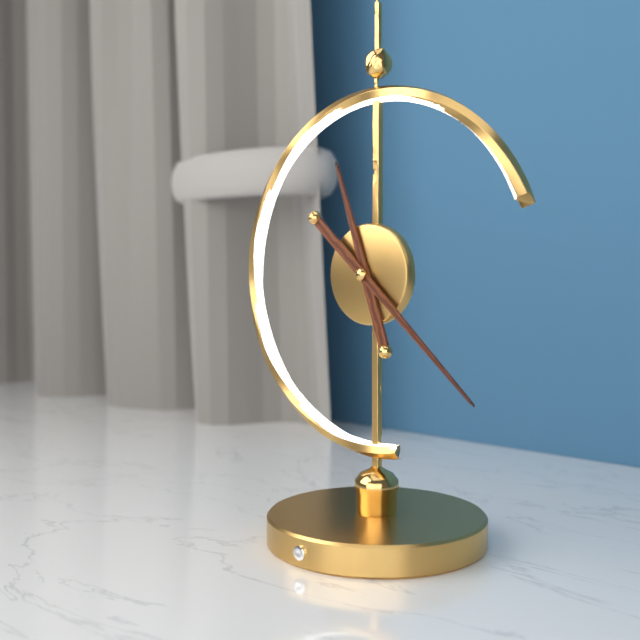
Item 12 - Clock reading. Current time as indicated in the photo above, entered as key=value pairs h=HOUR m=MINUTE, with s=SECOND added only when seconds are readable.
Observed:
h=11 m=22
